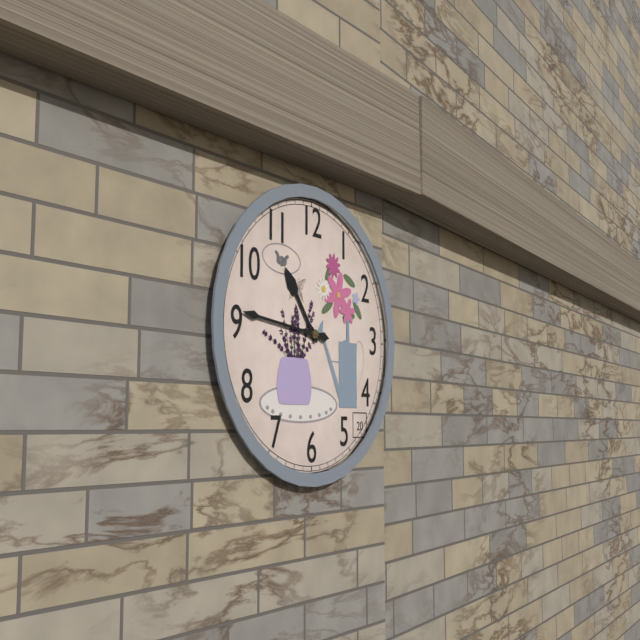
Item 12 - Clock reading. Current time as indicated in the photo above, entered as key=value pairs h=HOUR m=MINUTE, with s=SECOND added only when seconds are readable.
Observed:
h=10 m=46
